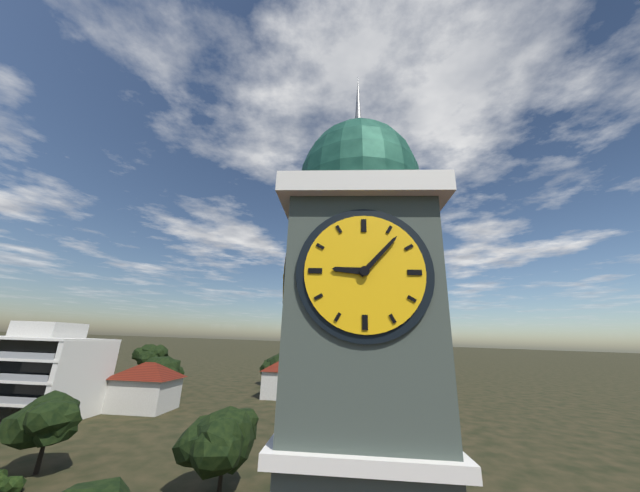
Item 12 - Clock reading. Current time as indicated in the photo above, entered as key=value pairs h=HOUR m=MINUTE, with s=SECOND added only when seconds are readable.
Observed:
h=9 m=7
